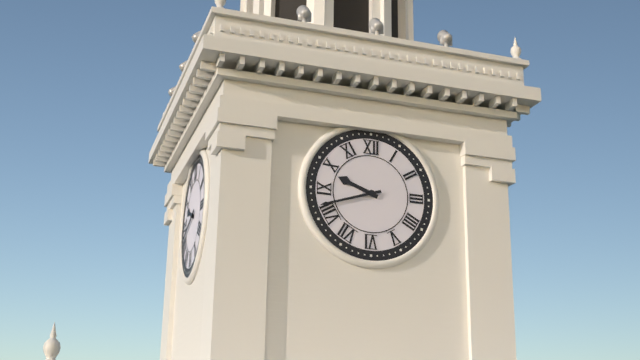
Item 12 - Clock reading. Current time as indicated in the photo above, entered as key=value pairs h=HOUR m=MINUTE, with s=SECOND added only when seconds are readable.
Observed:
h=9 m=42
